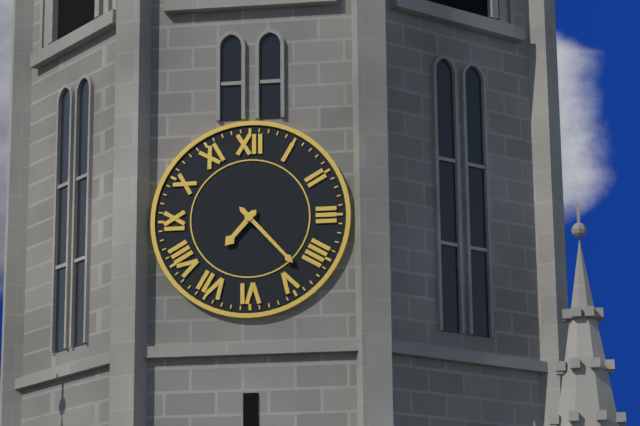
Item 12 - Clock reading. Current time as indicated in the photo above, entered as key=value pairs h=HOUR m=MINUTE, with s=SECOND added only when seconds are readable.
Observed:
h=7 m=23
